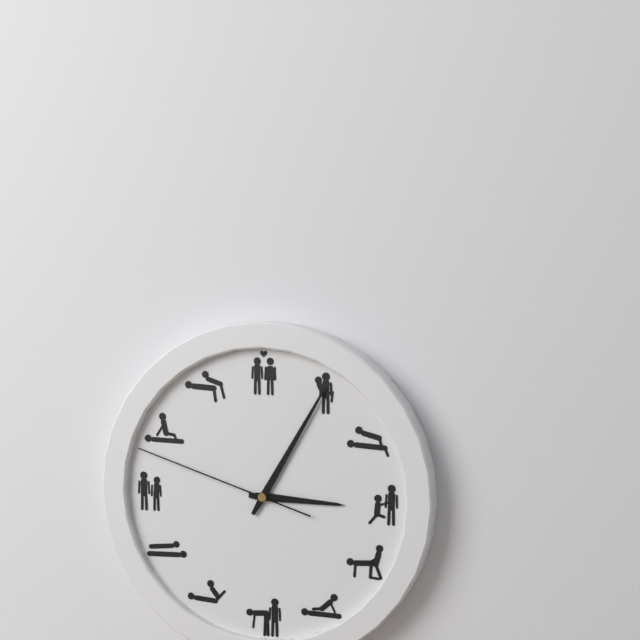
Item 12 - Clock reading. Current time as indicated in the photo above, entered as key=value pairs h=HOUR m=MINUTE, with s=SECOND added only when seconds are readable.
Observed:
h=3 m=5 s=48
